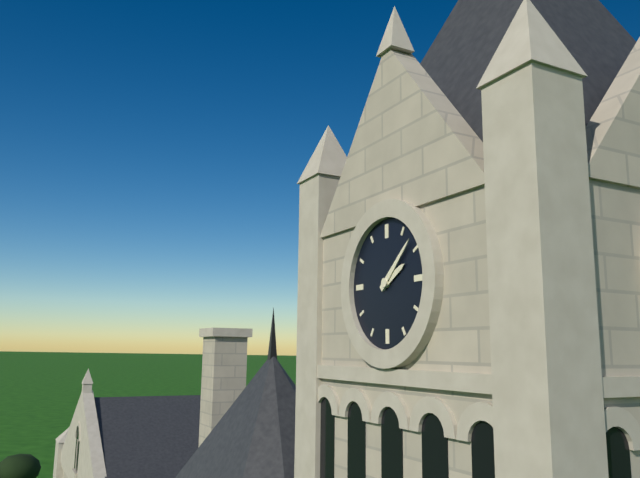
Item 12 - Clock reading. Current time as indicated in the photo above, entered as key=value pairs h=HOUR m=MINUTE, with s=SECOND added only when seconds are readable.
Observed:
h=2 m=8
